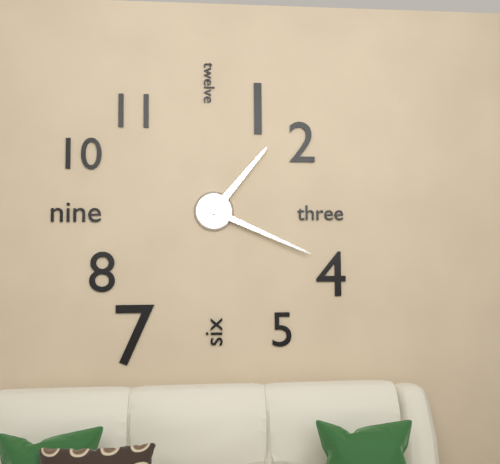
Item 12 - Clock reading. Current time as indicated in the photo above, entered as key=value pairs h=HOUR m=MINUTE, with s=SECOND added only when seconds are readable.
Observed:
h=1 m=19
